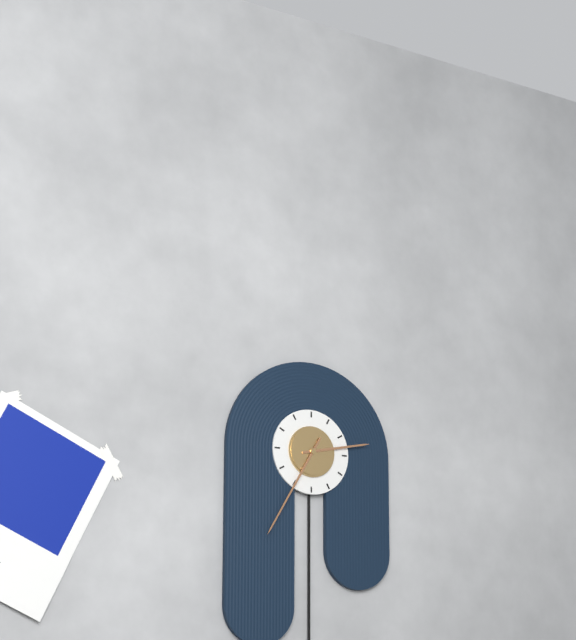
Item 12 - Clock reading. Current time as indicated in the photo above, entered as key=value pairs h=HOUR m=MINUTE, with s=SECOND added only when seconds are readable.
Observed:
h=2 m=35
